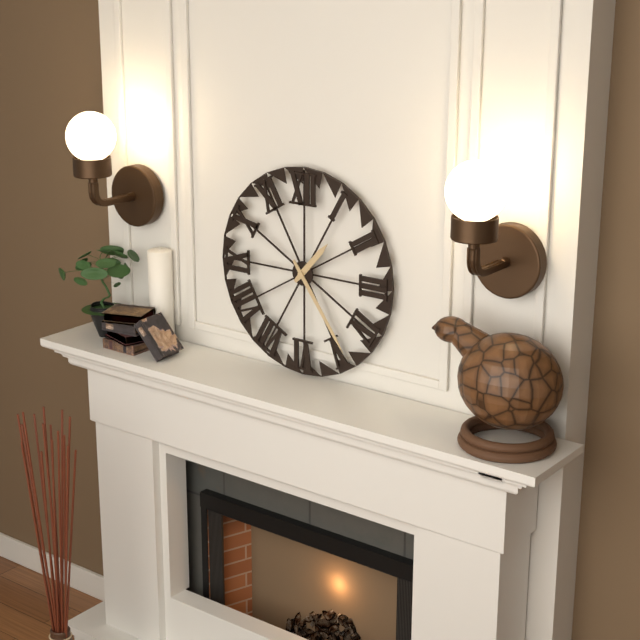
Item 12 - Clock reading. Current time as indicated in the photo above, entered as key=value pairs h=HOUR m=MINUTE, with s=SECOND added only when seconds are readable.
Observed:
h=1 m=24
